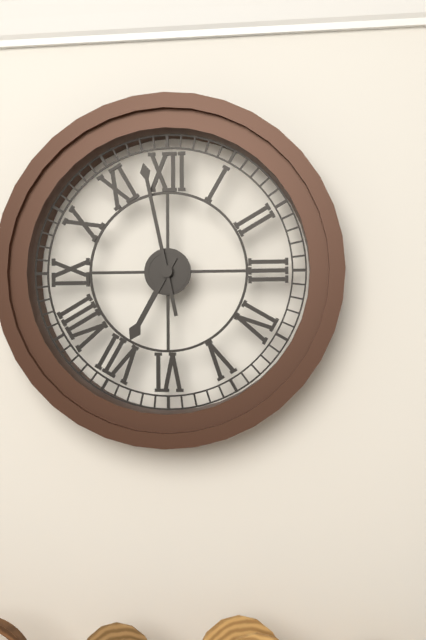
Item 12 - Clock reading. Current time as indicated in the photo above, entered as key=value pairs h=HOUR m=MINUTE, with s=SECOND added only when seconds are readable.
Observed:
h=6 m=58
